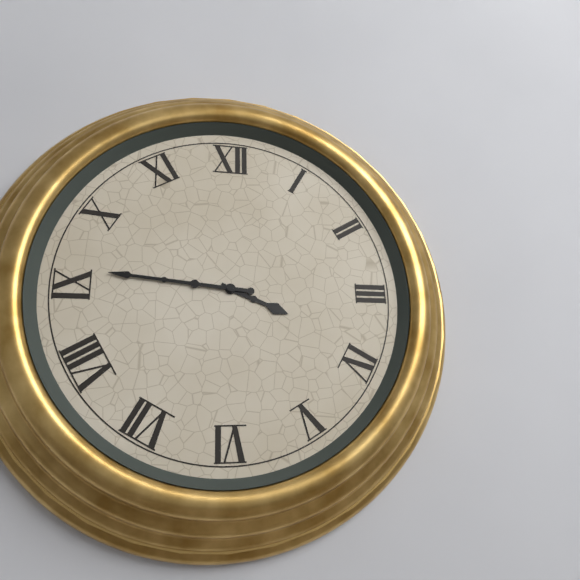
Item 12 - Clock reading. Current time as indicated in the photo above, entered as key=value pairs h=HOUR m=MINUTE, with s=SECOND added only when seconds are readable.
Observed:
h=3 m=46
